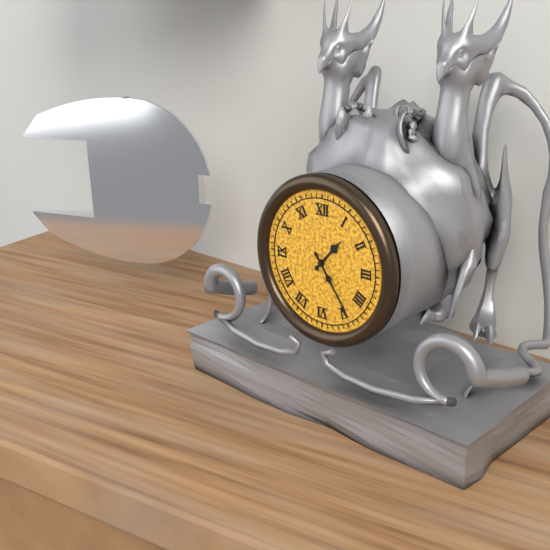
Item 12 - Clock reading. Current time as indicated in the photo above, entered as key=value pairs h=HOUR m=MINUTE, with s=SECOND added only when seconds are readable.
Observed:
h=1 m=24
